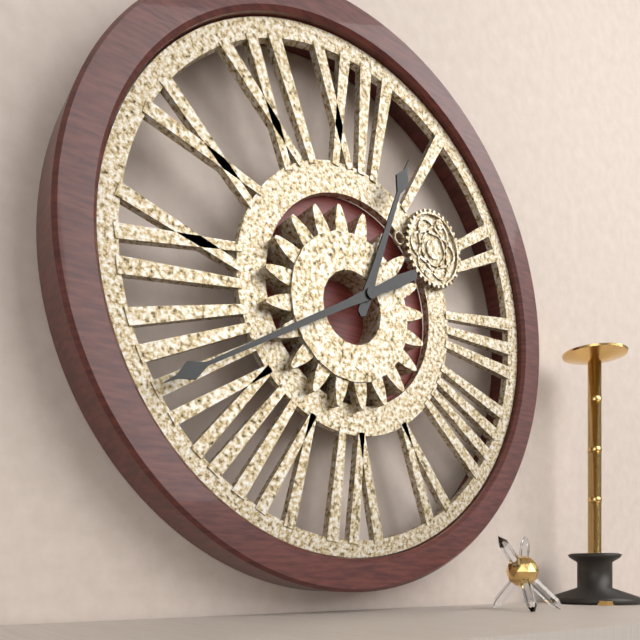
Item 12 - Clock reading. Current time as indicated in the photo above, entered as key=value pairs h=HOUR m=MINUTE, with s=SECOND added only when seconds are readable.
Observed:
h=12 m=40
